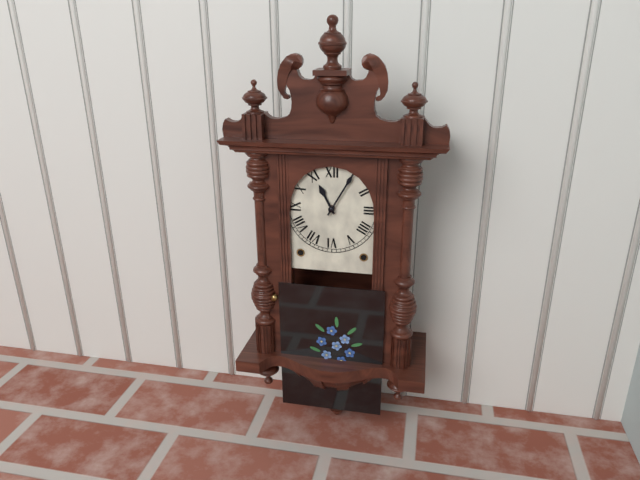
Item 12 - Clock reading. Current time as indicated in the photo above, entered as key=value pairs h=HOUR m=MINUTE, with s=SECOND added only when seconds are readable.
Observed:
h=11 m=5
